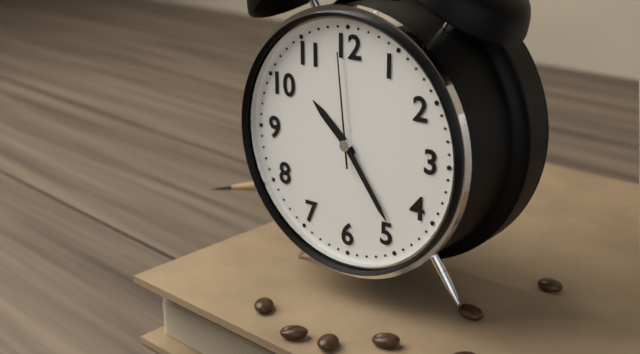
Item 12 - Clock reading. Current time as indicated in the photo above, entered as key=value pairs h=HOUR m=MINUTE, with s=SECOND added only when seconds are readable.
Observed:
h=10 m=24 s=59
